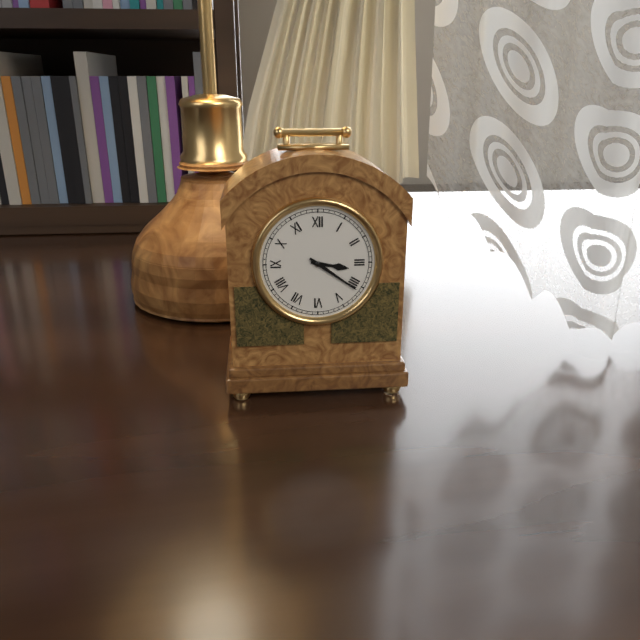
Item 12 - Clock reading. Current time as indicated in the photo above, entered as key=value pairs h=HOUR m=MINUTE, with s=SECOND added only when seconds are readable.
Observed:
h=3 m=21
